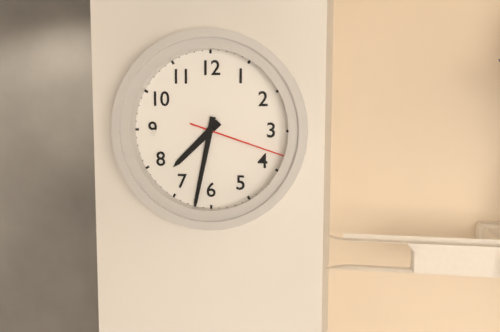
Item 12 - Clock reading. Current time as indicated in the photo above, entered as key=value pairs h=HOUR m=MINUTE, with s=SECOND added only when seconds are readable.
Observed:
h=7 m=32 s=18
